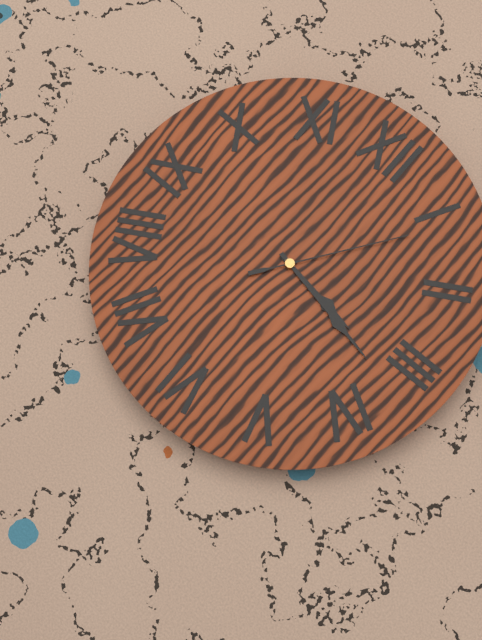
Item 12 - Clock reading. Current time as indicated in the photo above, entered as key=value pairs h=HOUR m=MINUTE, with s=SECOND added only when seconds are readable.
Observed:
h=3 m=17 s=6
